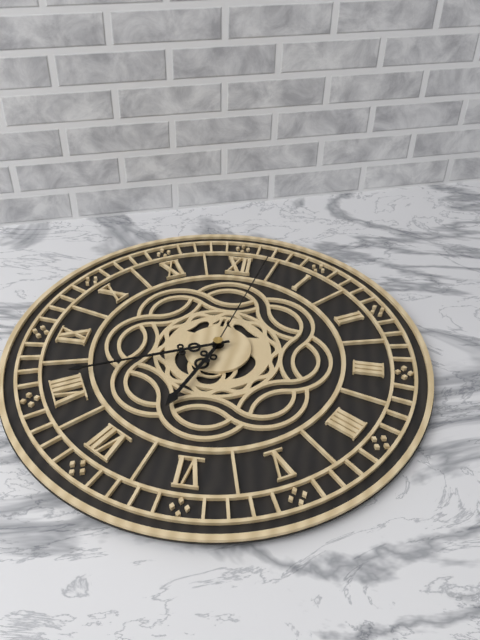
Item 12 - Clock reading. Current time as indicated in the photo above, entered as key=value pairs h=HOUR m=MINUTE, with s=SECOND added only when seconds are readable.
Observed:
h=6 m=41 s=2
